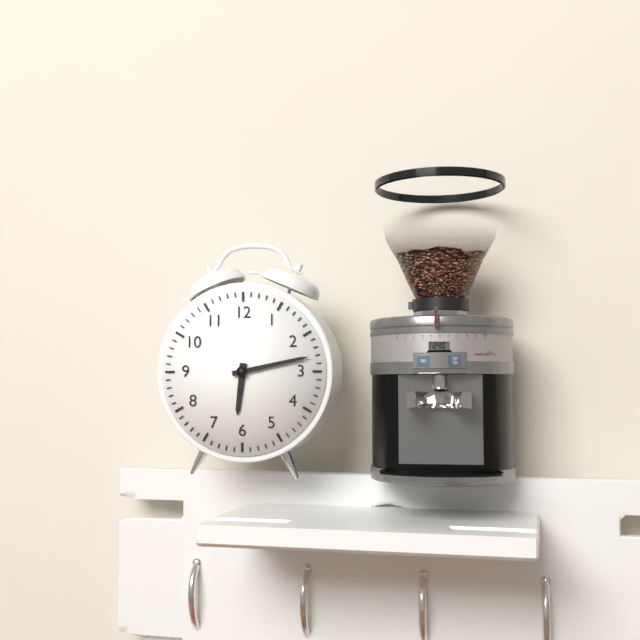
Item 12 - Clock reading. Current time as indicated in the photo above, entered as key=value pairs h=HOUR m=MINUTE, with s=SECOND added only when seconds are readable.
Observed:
h=6 m=13
